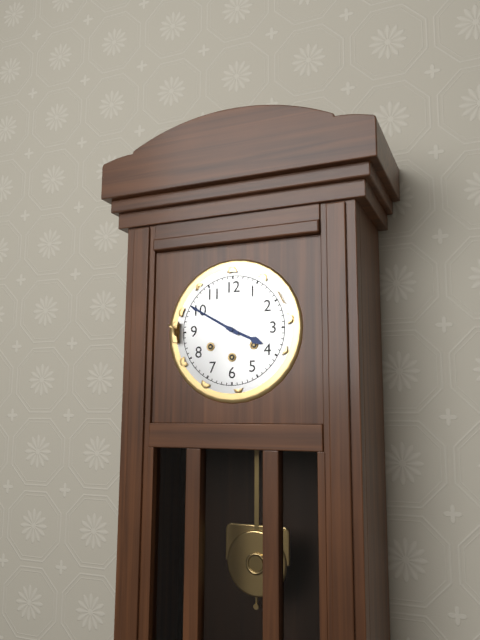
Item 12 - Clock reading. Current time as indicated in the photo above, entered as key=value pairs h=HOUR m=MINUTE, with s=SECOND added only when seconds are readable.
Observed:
h=3 m=50
